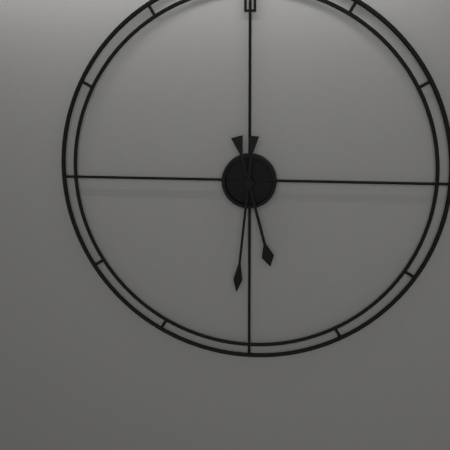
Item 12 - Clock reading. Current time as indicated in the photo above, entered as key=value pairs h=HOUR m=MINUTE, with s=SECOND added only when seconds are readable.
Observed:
h=5 m=31
